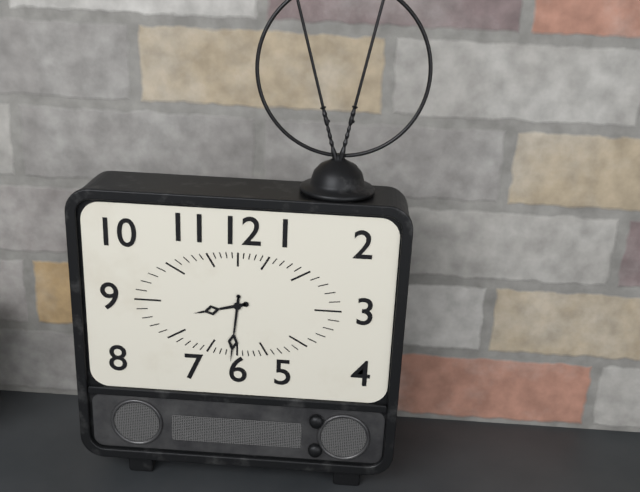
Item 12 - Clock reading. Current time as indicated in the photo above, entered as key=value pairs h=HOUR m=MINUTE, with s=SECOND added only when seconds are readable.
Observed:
h=8 m=31
